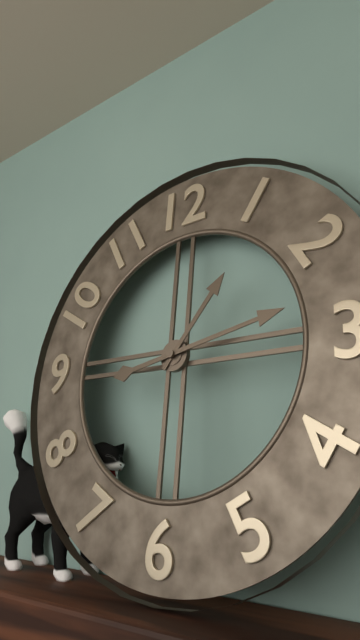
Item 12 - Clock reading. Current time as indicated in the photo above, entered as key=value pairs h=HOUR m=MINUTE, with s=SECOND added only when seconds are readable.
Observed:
h=1 m=13
